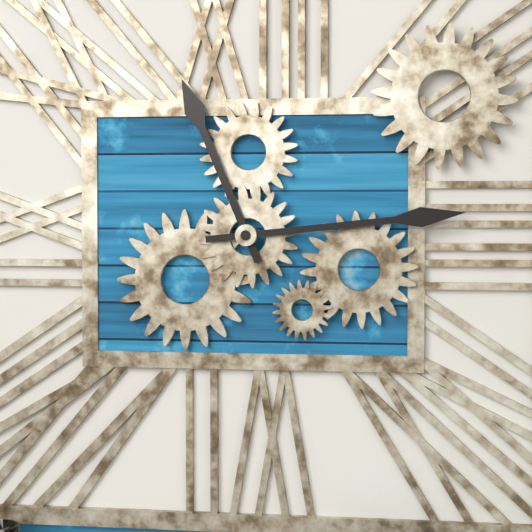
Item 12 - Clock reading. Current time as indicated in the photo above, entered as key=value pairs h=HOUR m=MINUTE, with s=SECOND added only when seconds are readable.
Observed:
h=11 m=14
